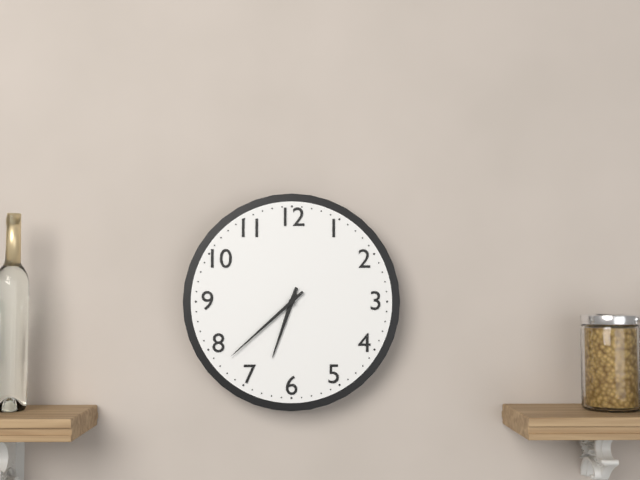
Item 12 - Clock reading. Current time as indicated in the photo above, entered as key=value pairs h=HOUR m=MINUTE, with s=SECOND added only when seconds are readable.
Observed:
h=6 m=38
